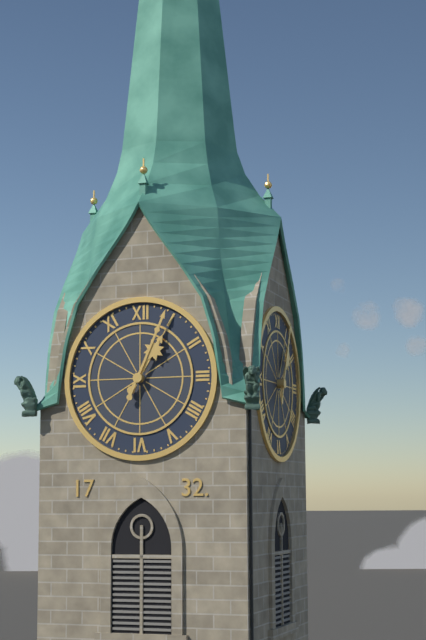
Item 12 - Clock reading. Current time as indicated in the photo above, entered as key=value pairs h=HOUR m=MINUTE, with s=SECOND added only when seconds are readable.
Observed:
h=1 m=4
